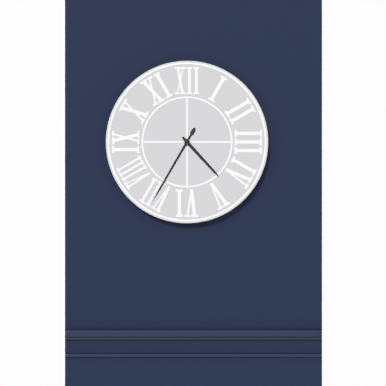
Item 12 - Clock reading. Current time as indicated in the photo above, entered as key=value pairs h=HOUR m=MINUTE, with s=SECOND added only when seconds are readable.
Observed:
h=4 m=35
